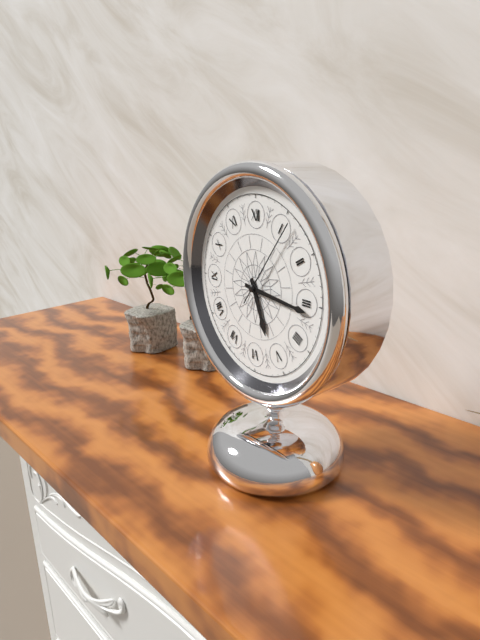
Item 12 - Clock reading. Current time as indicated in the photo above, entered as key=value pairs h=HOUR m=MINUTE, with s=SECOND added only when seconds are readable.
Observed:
h=5 m=16 s=6
